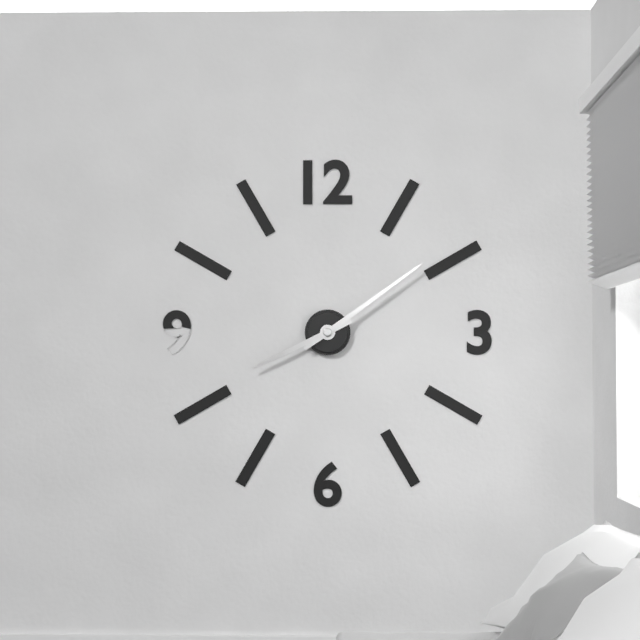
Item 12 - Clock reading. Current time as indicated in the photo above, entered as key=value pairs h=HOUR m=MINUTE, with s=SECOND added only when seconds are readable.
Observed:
h=8 m=9
